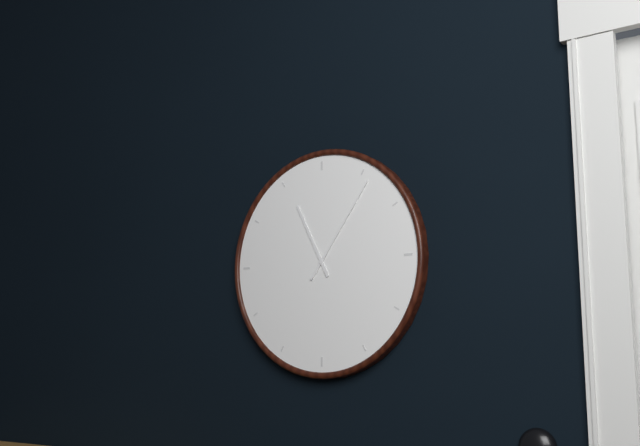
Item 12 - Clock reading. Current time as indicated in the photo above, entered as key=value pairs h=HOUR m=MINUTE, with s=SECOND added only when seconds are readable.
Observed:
h=11 m=6
